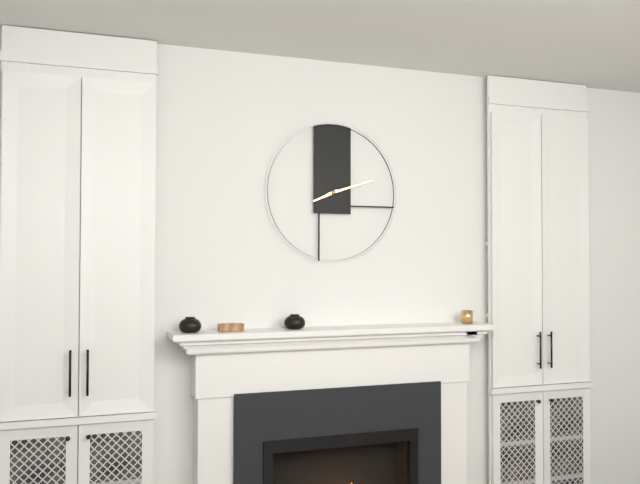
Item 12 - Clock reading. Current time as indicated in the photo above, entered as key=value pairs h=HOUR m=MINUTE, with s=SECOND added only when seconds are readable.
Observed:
h=8 m=12
